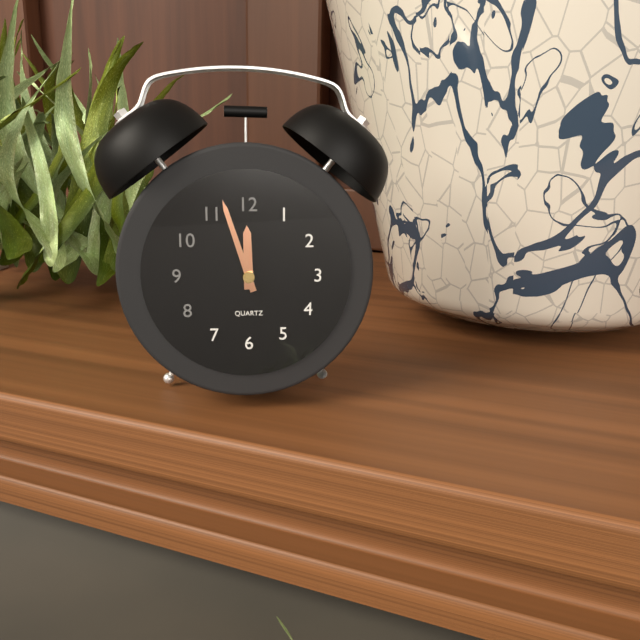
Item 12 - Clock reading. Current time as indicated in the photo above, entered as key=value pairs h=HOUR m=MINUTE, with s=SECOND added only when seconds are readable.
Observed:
h=11 m=57
